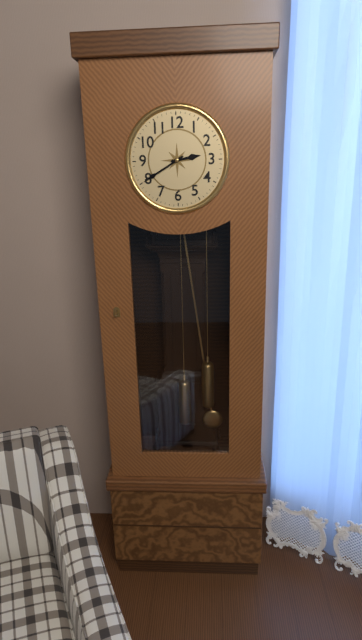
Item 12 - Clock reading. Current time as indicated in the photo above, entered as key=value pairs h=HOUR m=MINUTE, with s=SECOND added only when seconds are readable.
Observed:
h=2 m=40
